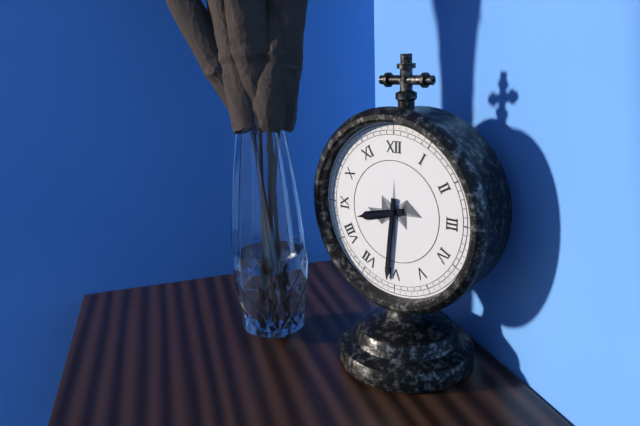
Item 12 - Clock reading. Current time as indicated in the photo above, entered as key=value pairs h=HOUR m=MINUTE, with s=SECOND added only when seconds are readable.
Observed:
h=8 m=31
